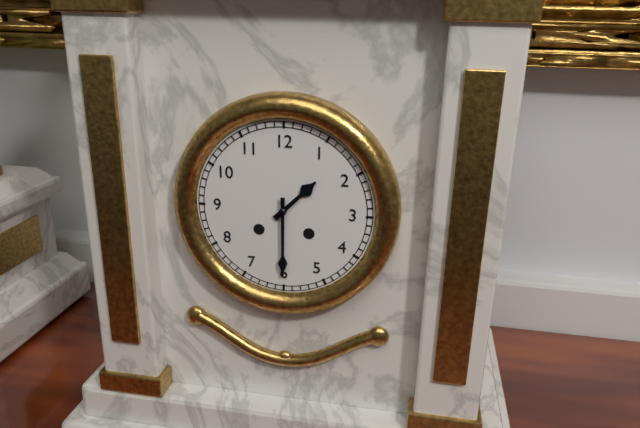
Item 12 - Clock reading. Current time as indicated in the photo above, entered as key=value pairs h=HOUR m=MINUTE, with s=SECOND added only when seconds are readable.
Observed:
h=1 m=30
